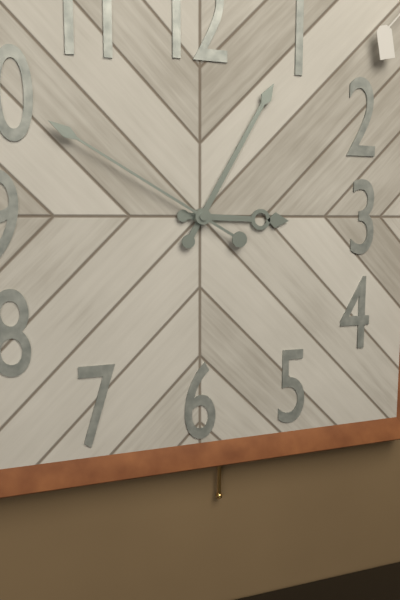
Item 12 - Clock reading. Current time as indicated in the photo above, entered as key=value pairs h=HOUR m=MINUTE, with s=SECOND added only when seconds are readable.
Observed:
h=3 m=5 s=50
